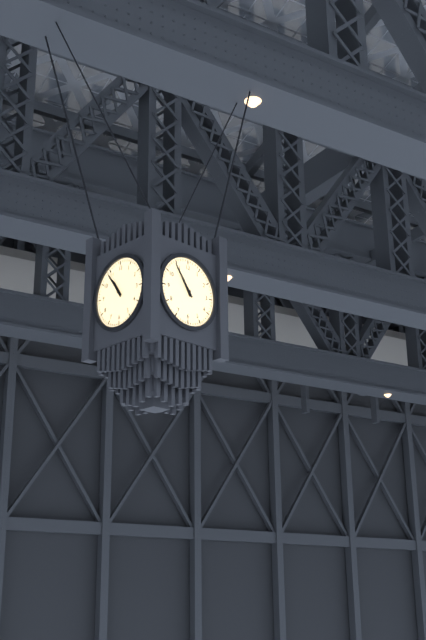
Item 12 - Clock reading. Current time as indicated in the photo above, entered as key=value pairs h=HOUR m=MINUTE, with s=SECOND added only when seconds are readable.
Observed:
h=10 m=54
